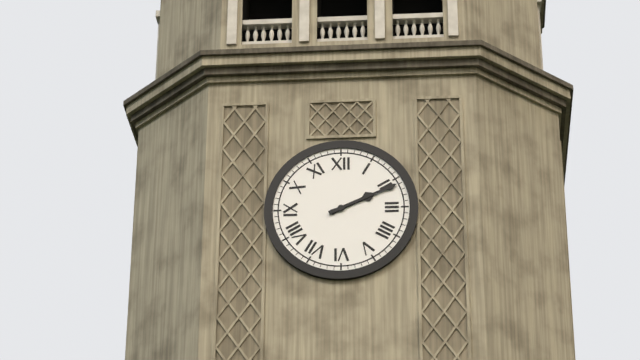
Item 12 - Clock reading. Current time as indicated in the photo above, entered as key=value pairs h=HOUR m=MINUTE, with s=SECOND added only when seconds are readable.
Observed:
h=2 m=11
